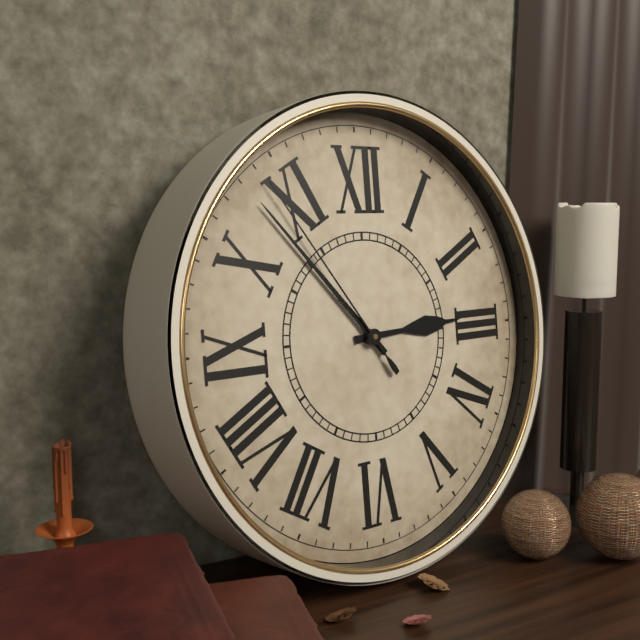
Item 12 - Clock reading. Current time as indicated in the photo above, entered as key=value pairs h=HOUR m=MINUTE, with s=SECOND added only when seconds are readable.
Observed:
h=2 m=53 s=54
